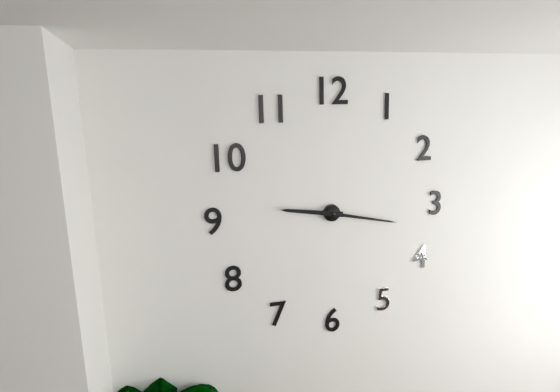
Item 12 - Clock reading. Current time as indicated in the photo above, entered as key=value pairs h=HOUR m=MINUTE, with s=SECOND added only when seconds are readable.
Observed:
h=9 m=17
